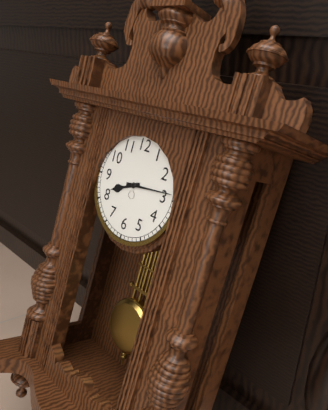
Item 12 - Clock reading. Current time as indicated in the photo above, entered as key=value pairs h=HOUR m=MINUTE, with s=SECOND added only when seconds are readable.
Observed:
h=8 m=14
